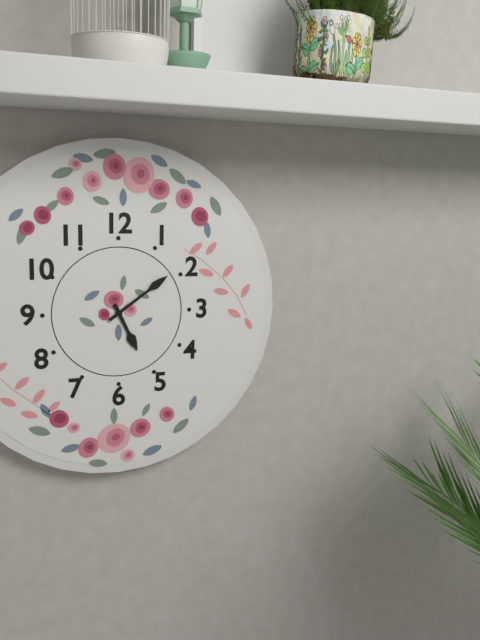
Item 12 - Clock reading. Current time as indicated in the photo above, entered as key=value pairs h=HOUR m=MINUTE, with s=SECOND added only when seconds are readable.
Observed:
h=5 m=9
